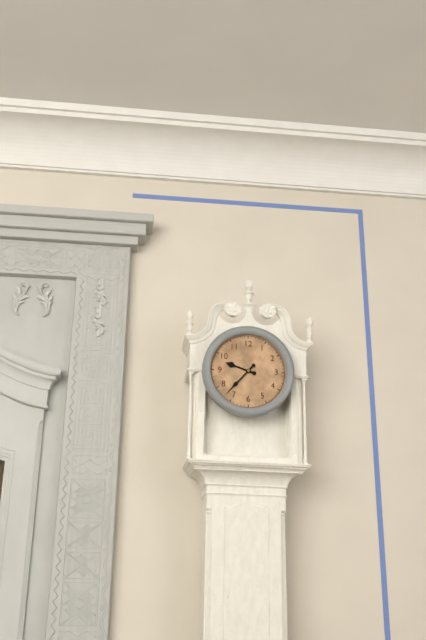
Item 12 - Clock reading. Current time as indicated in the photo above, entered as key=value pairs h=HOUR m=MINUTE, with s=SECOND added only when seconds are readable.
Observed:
h=9 m=37
